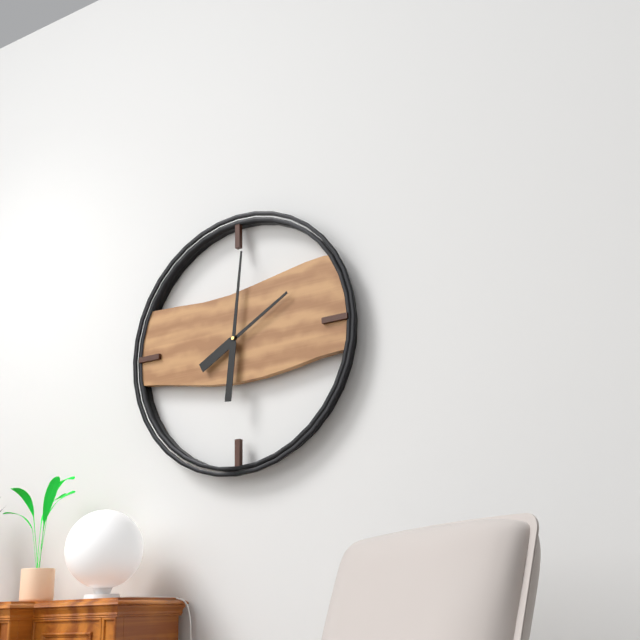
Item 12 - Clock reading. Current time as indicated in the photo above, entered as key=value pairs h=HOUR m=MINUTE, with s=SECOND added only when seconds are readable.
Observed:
h=2 m=1
